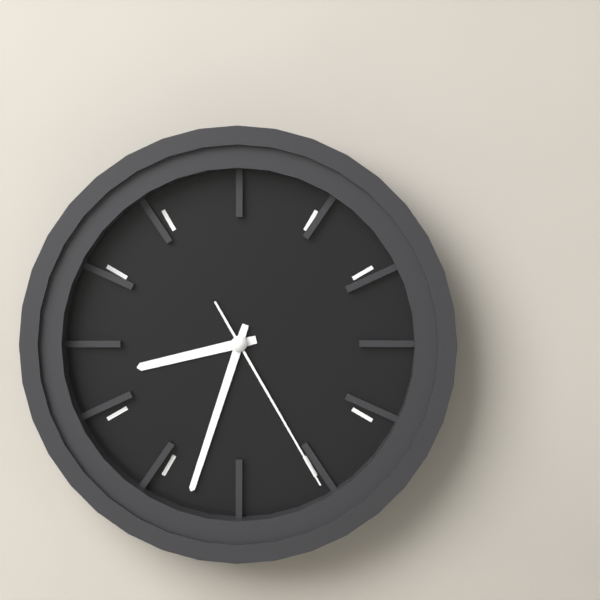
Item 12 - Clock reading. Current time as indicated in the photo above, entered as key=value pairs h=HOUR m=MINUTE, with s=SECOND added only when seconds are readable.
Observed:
h=8 m=33 s=25
